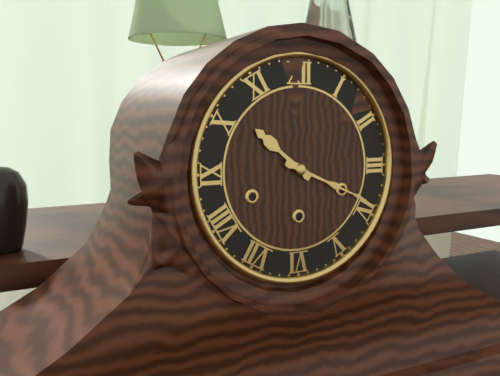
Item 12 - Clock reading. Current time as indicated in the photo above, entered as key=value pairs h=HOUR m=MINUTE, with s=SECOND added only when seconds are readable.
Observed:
h=10 m=19
